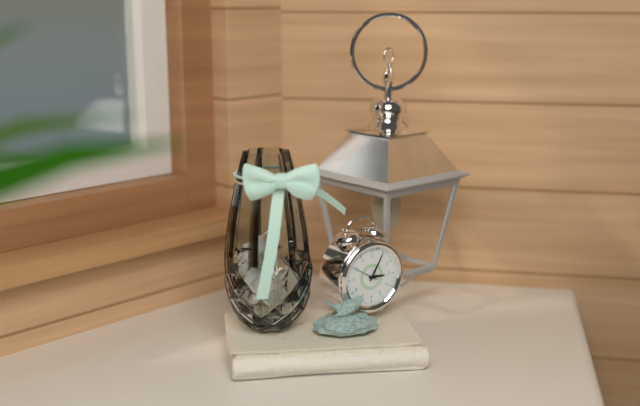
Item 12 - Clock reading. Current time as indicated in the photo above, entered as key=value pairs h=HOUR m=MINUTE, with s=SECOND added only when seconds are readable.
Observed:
h=3 m=5
